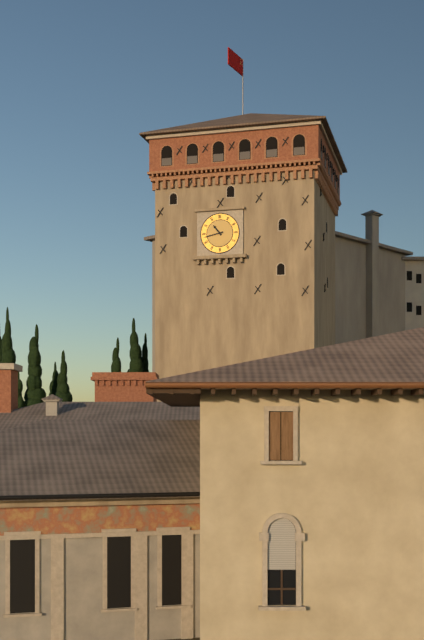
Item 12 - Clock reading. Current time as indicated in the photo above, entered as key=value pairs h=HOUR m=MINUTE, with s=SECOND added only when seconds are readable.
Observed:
h=10 m=43
